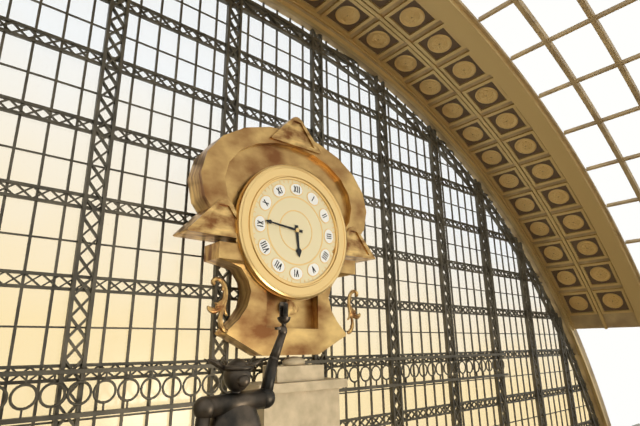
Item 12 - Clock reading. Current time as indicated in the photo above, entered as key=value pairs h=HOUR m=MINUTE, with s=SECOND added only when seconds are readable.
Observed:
h=5 m=46
